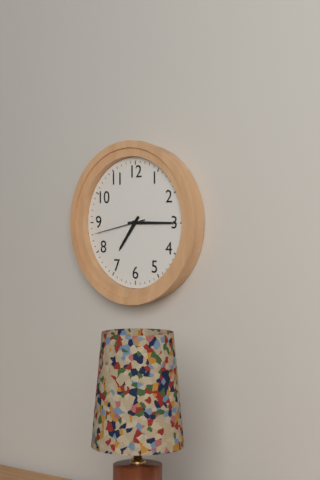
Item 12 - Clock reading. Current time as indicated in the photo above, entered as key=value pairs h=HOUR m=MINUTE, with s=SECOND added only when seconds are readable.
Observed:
h=7 m=15 s=43
